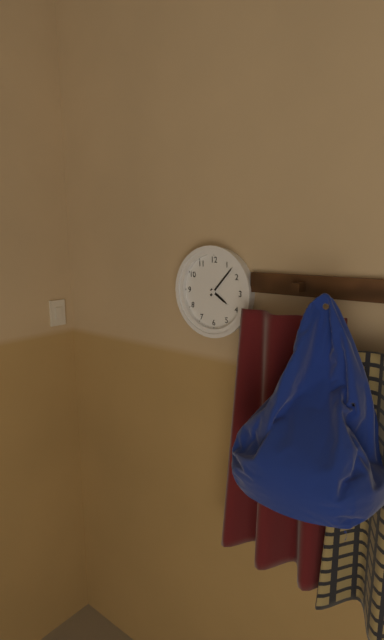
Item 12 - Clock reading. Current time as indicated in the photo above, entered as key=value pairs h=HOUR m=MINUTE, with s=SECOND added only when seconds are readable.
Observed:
h=4 m=7
